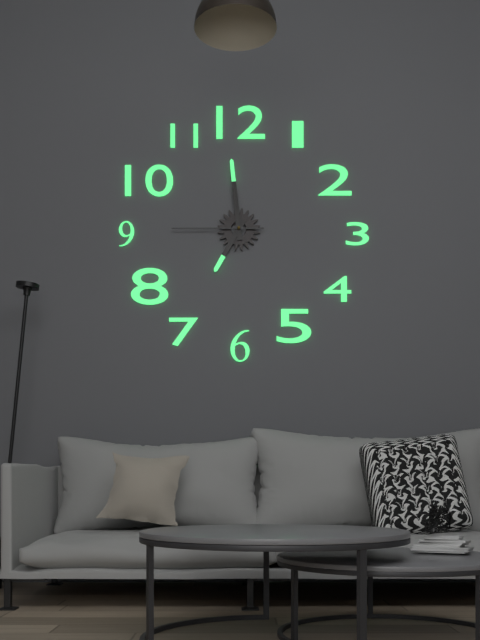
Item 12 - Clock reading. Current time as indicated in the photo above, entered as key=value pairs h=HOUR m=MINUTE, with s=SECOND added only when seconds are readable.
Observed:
h=6 m=59 s=45
